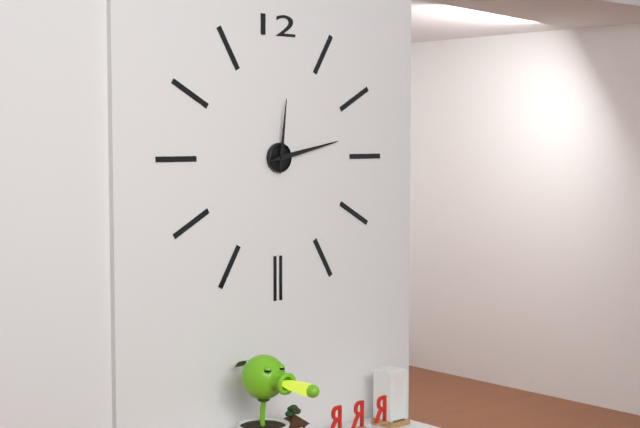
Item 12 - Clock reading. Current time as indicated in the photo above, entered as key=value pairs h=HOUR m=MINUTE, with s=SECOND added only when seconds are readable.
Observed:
h=12 m=13
